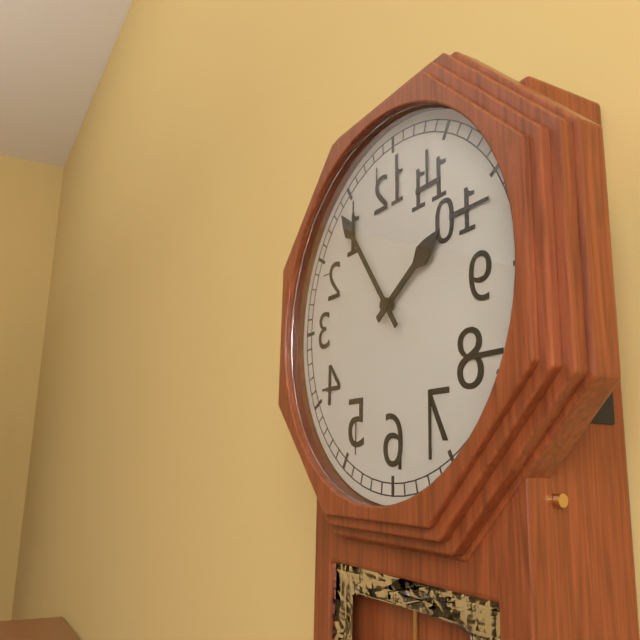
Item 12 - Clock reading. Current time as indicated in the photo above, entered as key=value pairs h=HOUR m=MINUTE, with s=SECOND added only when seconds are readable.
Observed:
h=1 m=54
